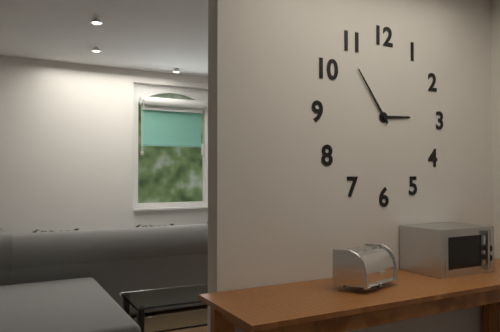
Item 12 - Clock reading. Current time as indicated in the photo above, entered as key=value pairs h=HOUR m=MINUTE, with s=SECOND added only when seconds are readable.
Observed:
h=2 m=54
